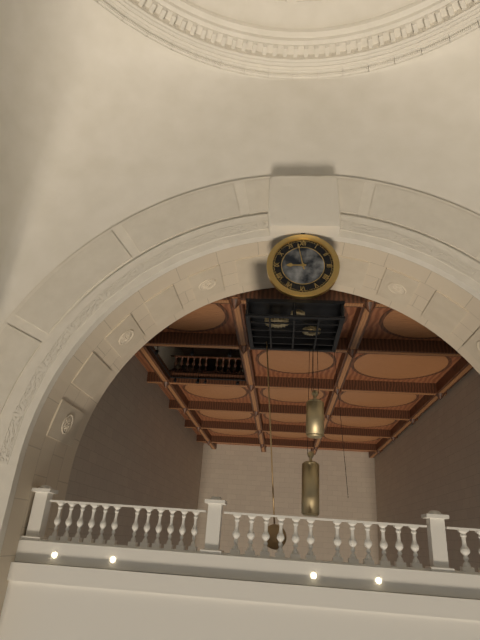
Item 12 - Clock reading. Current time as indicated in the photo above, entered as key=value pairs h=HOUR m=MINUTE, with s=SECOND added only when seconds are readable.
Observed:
h=8 m=58
